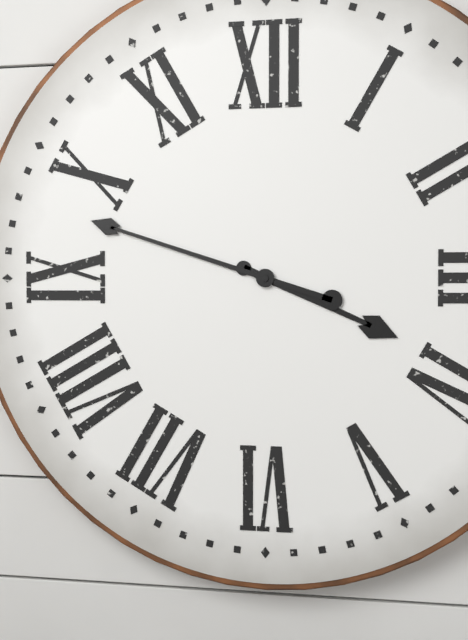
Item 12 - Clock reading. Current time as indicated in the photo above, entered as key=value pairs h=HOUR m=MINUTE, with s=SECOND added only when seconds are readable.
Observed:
h=3 m=48
